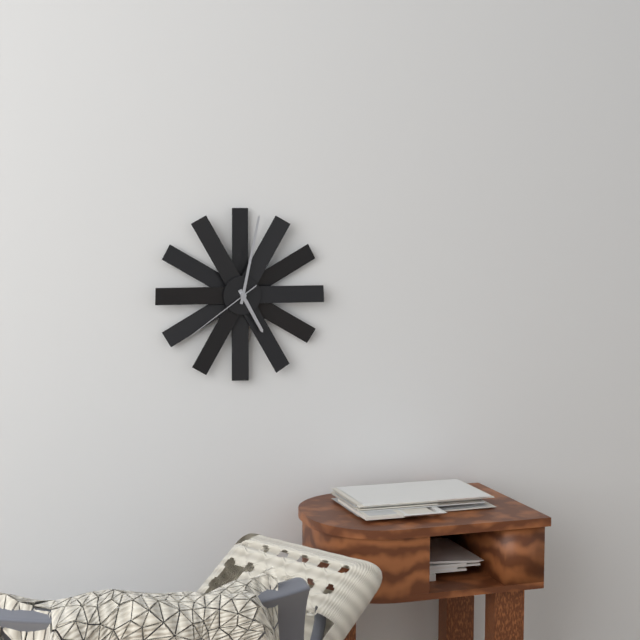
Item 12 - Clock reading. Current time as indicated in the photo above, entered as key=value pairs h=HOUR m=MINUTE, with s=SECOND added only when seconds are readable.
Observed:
h=5 m=2 s=39
